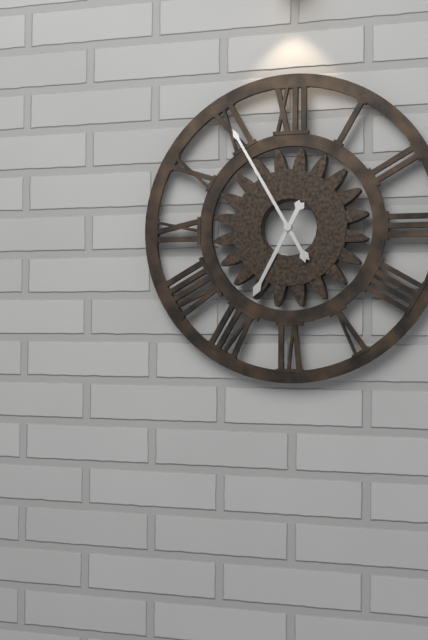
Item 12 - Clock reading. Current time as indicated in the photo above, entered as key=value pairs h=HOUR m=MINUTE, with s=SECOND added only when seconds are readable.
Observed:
h=6 m=55
